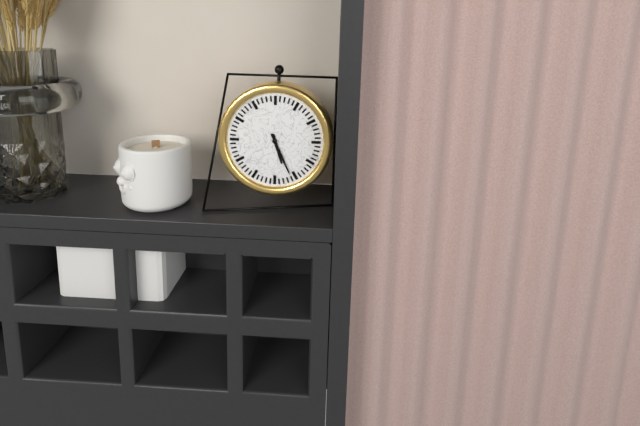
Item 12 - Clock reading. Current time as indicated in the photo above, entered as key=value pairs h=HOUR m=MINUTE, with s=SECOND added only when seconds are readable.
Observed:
h=5 m=26
